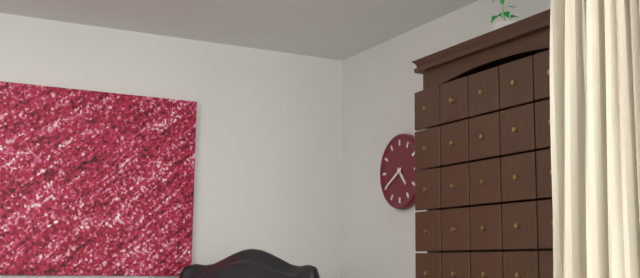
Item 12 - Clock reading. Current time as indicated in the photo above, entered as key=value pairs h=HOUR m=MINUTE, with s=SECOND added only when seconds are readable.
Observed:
h=4 m=40
